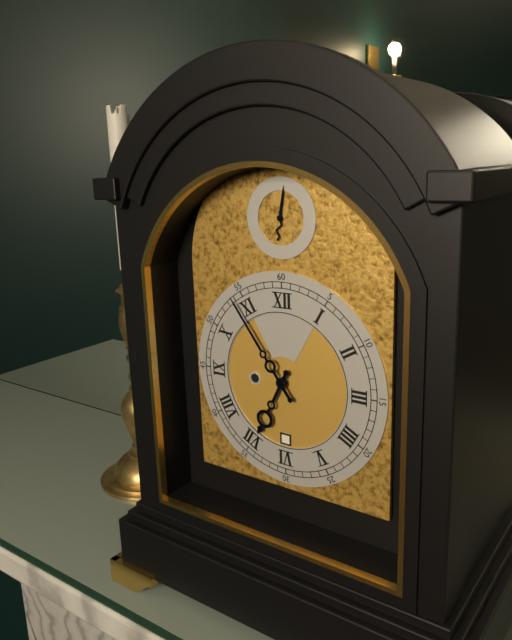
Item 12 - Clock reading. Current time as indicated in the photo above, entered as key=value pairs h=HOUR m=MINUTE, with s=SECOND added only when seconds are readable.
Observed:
h=6 m=54
